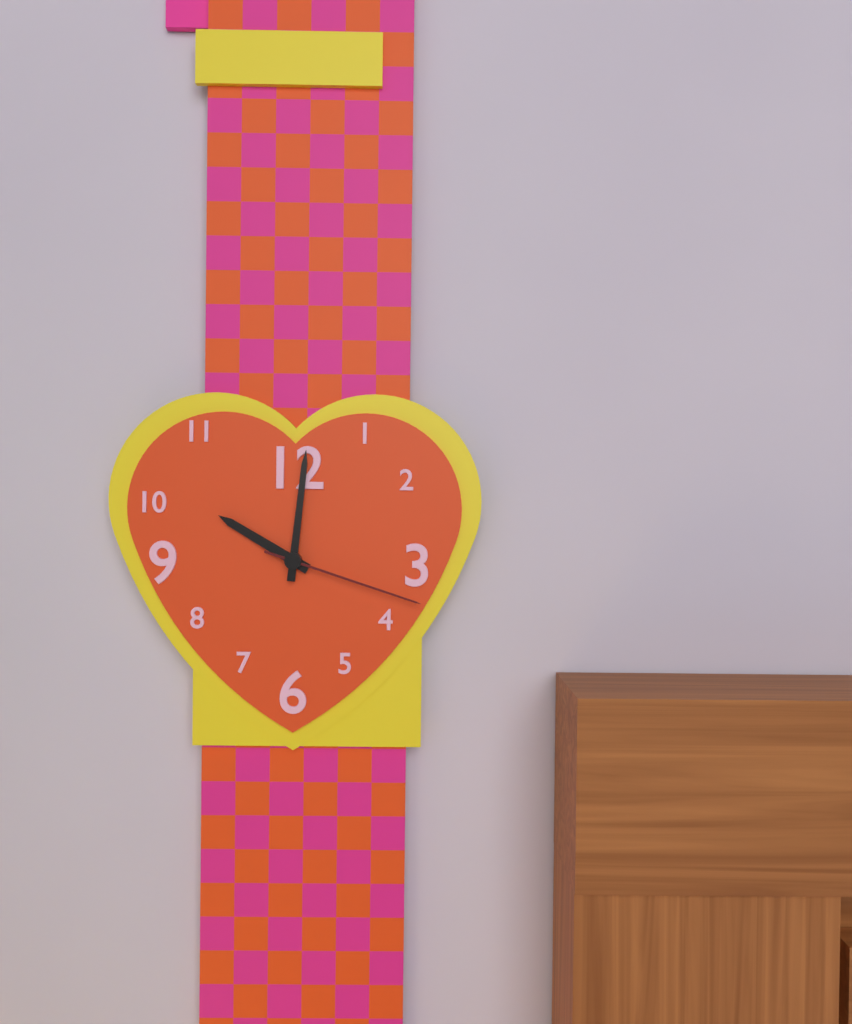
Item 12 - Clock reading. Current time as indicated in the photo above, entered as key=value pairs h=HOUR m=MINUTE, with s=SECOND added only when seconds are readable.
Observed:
h=10 m=1 s=18
